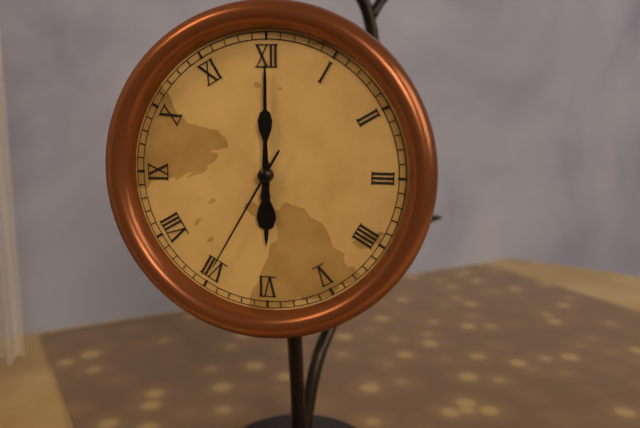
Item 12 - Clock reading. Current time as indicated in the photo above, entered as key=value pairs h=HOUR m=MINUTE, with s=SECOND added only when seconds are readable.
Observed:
h=6 m=0 s=35
